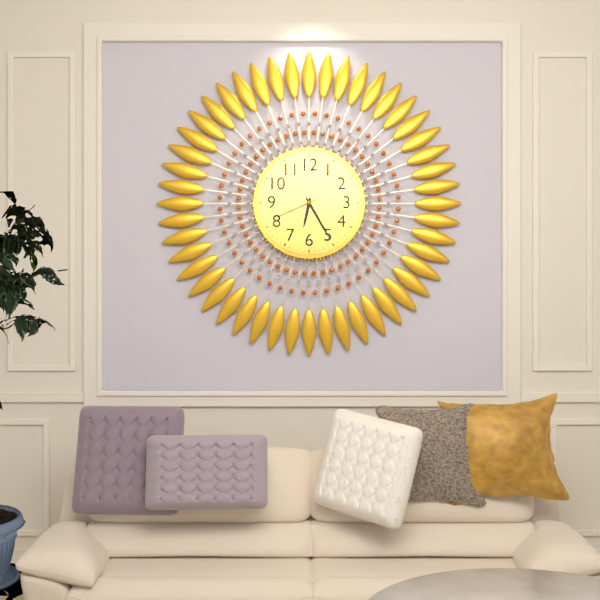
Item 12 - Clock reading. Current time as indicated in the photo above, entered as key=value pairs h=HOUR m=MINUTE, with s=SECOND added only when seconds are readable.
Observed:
h=6 m=25 s=41
